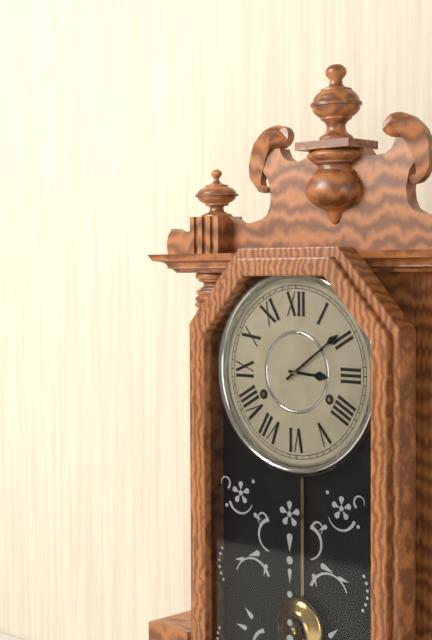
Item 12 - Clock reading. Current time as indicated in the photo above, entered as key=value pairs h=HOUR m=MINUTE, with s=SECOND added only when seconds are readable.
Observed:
h=3 m=9
